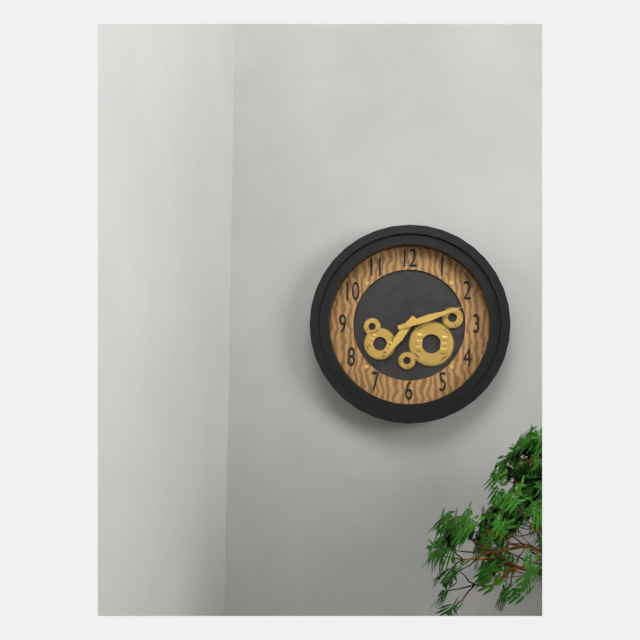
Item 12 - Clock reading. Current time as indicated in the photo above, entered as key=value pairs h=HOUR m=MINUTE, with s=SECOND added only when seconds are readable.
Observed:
h=7 m=12
